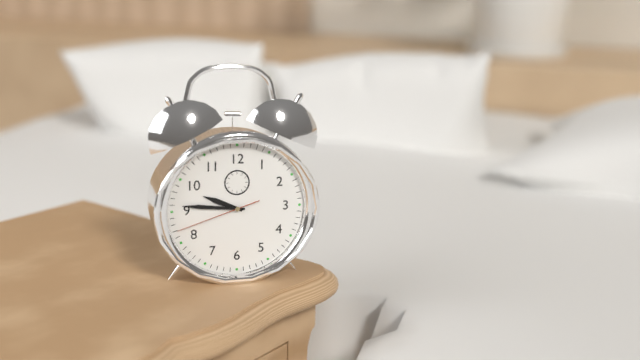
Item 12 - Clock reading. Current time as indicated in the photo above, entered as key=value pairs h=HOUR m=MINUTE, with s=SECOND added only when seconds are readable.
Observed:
h=9 m=46 s=42
